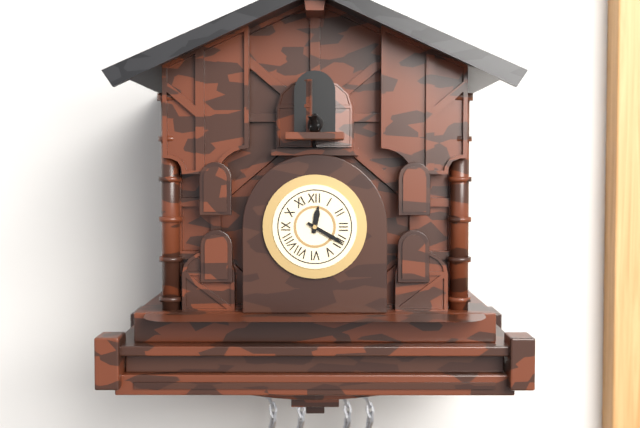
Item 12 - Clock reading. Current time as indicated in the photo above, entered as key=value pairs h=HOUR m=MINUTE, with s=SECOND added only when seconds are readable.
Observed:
h=12 m=20
